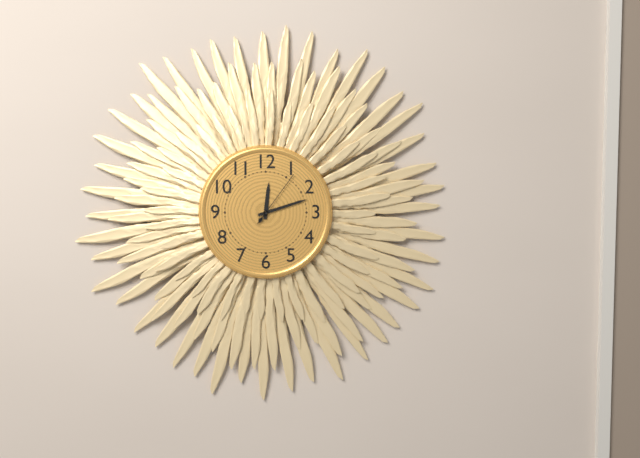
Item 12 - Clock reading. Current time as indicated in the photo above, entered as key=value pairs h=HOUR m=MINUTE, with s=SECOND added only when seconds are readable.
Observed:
h=12 m=12 s=6
